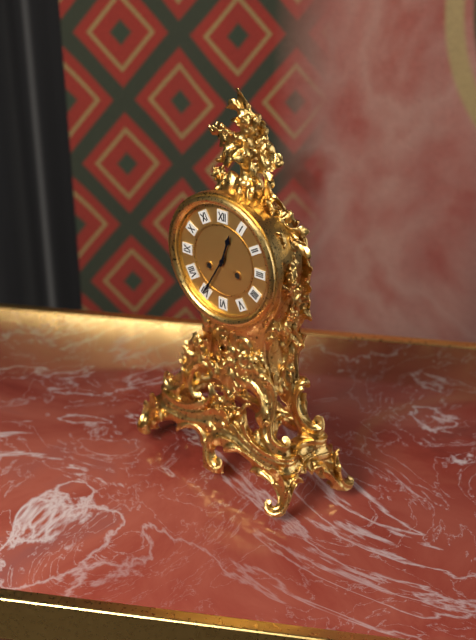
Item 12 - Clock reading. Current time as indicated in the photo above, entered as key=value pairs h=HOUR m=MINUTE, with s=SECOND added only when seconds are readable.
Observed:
h=12 m=35
